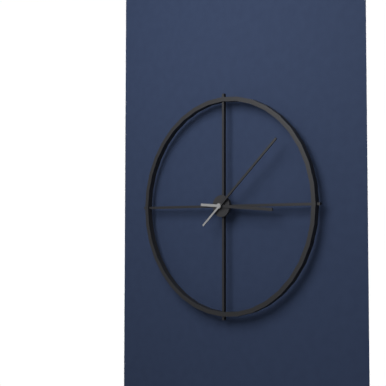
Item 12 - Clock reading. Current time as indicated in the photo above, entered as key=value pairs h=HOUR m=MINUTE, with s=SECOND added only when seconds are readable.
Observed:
h=3 m=8
